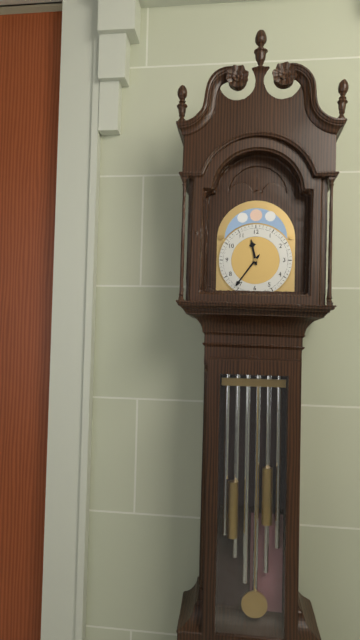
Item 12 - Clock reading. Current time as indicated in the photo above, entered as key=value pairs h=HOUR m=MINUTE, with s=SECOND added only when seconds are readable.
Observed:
h=11 m=36
